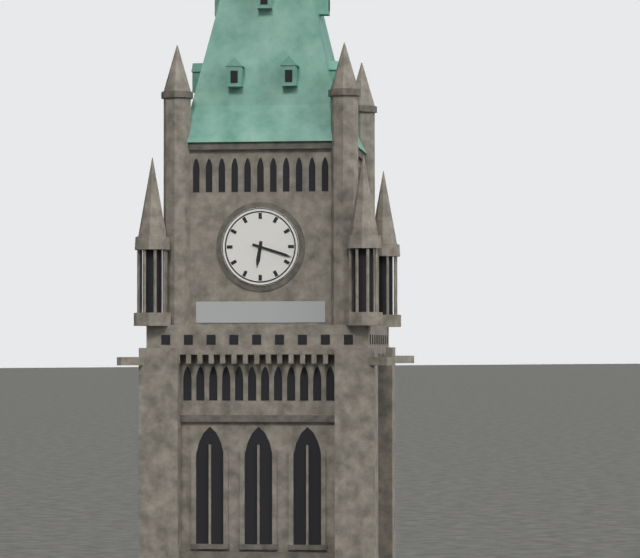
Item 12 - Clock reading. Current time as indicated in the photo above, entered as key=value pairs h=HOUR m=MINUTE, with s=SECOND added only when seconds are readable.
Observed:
h=6 m=18
